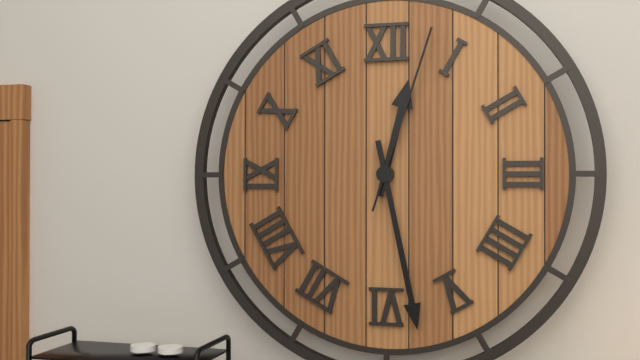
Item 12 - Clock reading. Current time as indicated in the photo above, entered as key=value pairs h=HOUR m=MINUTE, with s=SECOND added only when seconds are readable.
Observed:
h=12 m=28 s=3
